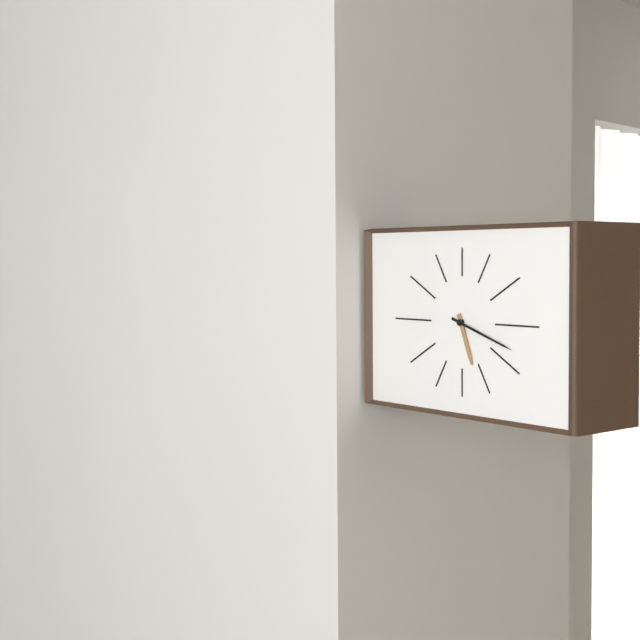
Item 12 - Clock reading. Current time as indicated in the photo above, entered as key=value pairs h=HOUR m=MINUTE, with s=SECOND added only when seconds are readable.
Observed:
h=5 m=18
